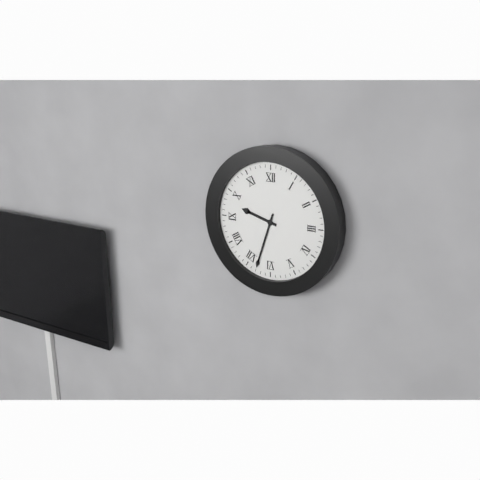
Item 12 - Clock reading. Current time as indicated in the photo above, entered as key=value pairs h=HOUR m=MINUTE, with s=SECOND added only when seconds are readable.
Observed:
h=9 m=33
